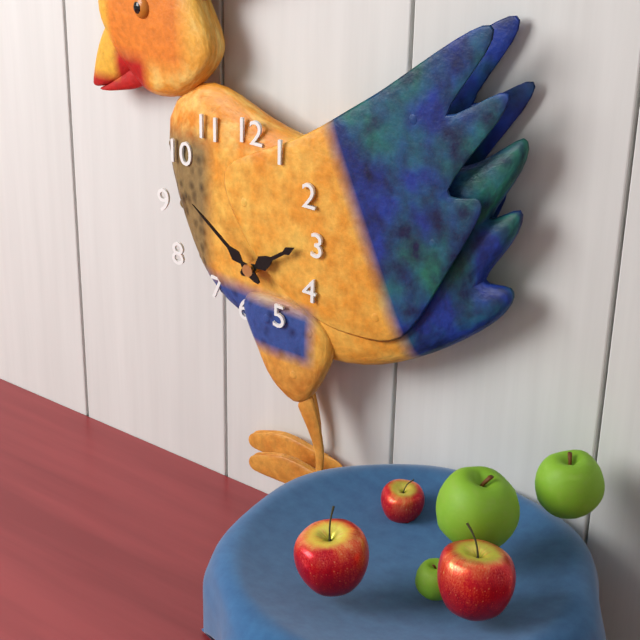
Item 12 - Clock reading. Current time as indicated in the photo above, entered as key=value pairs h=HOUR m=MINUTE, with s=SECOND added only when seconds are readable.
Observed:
h=1 m=51
